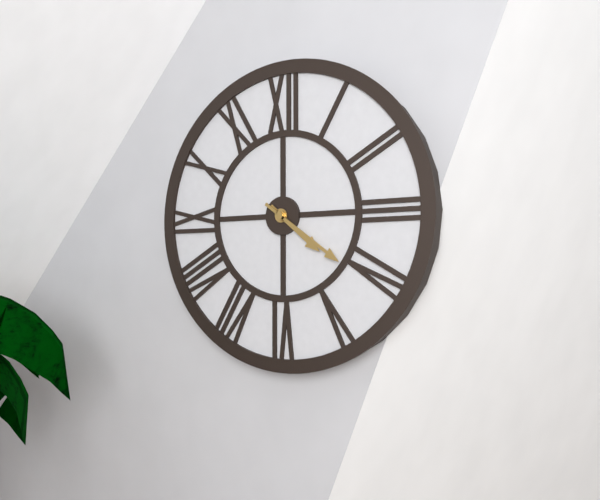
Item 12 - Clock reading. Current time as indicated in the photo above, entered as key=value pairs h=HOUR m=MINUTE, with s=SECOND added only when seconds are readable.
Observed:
h=4 m=21
